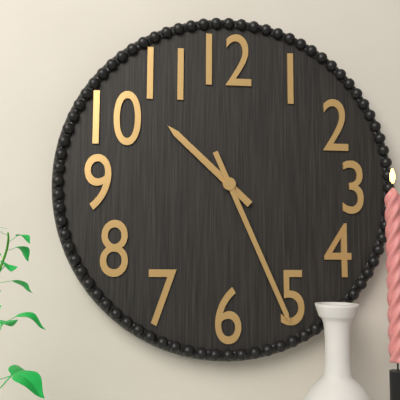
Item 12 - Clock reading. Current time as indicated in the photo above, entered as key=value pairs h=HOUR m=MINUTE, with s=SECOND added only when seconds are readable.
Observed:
h=10 m=26
